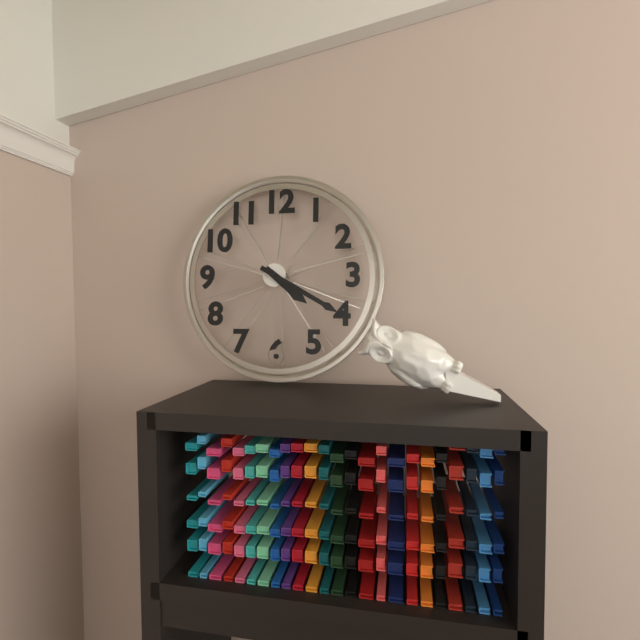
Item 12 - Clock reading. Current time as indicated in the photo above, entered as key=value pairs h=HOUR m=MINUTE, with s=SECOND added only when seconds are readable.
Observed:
h=4 m=20
